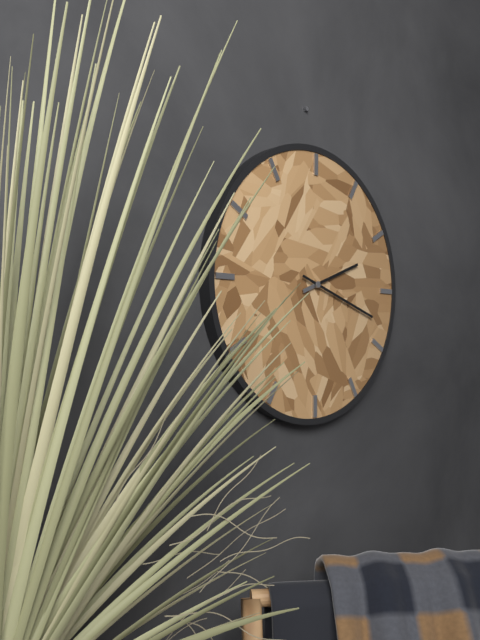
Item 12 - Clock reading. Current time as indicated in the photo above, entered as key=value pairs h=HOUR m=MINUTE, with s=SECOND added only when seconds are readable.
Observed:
h=2 m=18
